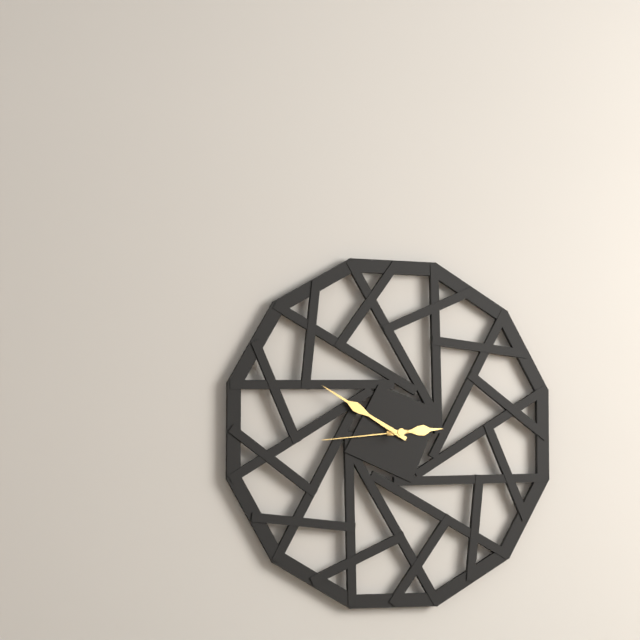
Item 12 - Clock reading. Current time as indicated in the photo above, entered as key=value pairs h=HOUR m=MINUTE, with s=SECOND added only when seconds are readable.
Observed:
h=2 m=50 s=44
